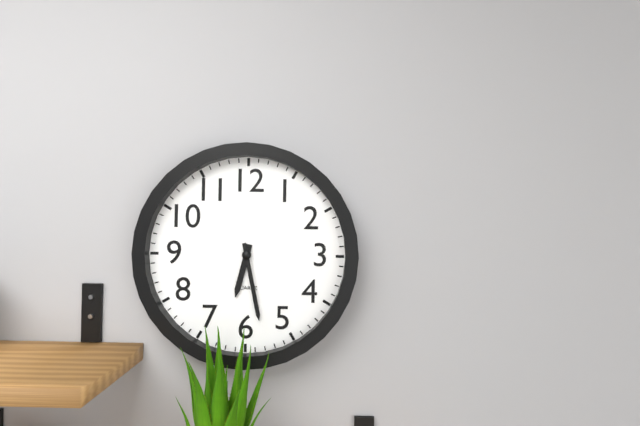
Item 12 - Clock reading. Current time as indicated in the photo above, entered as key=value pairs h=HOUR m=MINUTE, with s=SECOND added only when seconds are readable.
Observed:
h=6 m=28
